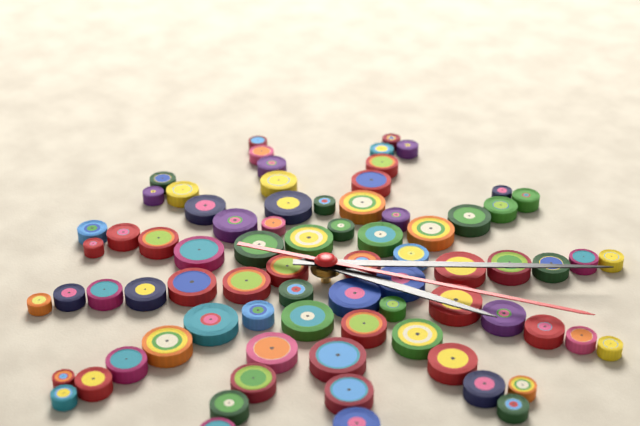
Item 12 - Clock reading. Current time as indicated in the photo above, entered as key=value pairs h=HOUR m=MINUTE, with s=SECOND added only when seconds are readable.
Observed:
h=2 m=6 s=9
